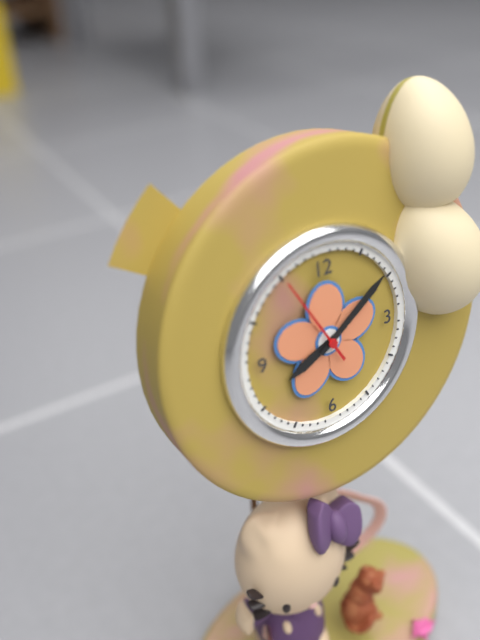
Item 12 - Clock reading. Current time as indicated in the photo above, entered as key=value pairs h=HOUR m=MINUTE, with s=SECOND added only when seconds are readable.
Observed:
h=8 m=9 s=55
